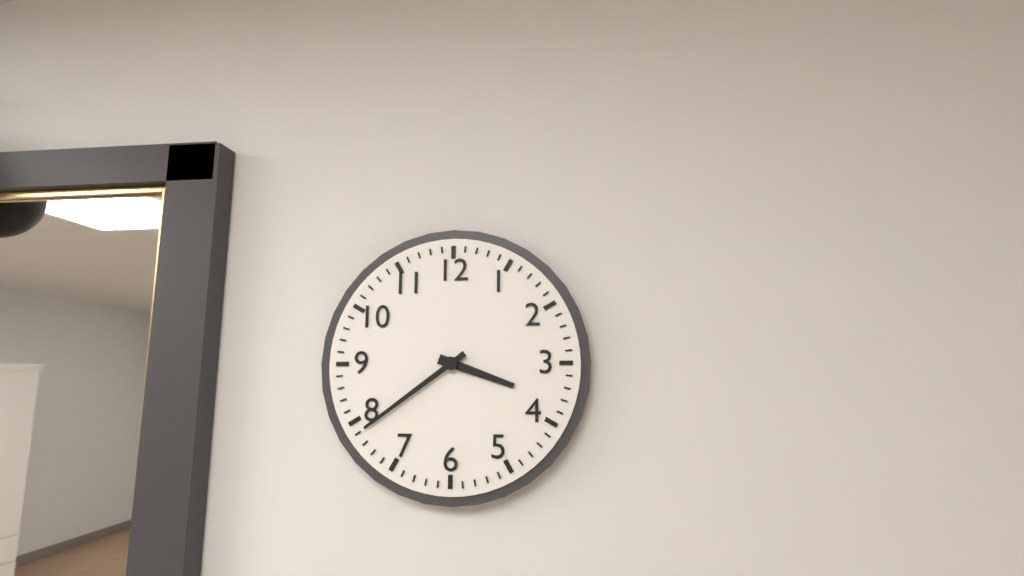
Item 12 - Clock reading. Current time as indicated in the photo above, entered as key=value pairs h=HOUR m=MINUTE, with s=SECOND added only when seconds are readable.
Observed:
h=3 m=39
